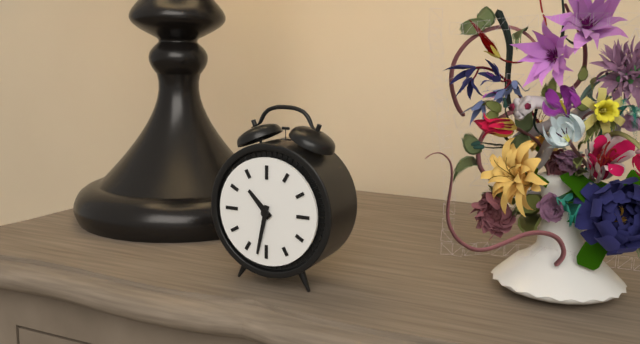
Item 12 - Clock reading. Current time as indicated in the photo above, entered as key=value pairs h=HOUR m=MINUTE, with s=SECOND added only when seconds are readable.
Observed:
h=10 m=32
